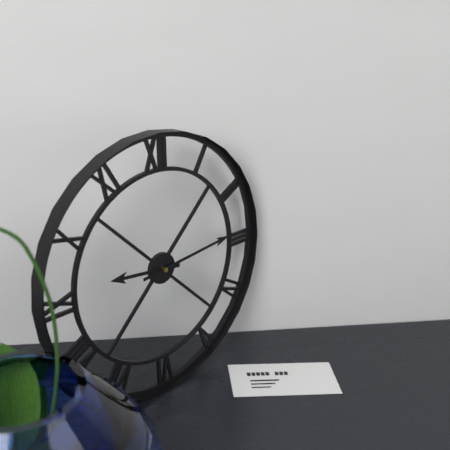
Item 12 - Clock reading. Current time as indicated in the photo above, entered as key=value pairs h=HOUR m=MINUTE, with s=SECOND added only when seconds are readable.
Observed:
h=9 m=14
